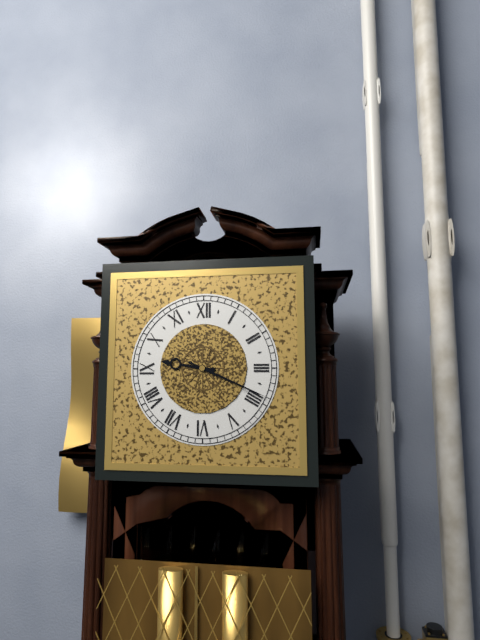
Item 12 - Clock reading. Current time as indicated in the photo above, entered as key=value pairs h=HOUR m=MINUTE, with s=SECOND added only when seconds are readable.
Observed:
h=9 m=19
